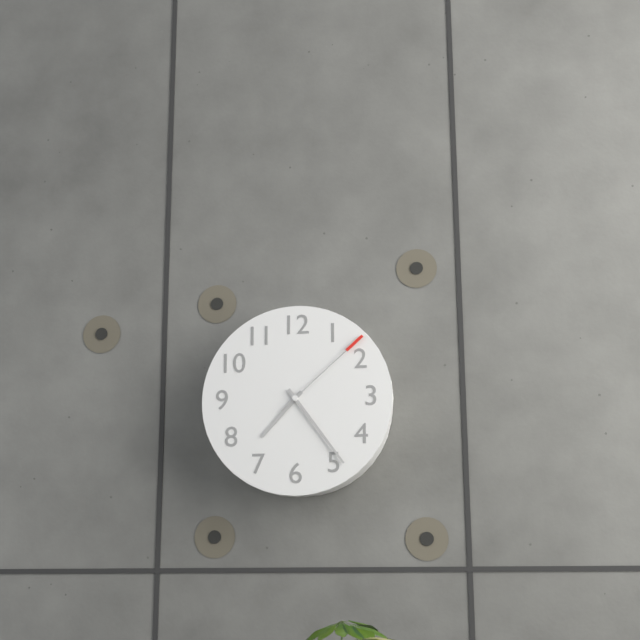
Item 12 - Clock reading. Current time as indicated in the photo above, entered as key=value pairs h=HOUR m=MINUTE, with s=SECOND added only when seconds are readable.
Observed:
h=7 m=24 s=8
